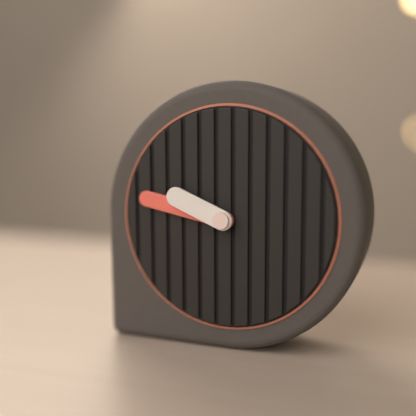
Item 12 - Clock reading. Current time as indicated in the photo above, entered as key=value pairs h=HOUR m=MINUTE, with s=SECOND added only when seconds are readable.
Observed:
h=9 m=47
